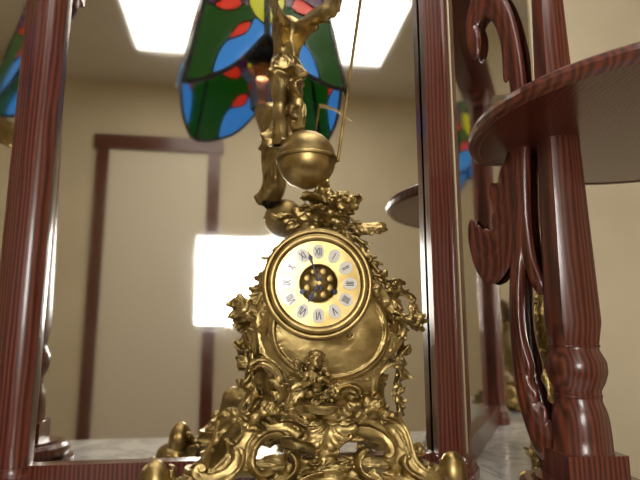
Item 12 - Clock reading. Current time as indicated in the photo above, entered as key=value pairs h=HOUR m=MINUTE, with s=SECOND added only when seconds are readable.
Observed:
h=6 m=57
